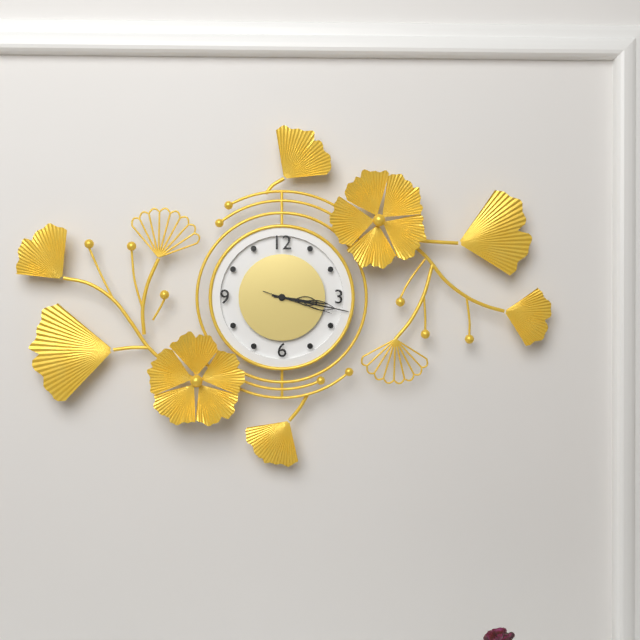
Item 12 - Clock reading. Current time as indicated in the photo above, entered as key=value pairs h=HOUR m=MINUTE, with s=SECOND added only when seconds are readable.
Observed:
h=3 m=17 s=18
